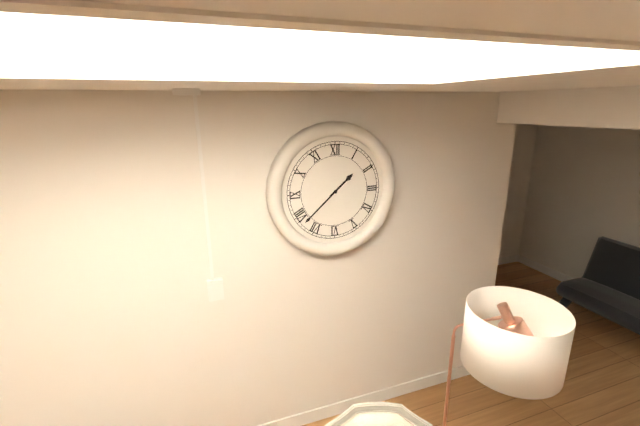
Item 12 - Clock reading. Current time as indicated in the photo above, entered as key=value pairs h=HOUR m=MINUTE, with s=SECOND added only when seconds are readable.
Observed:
h=1 m=38
